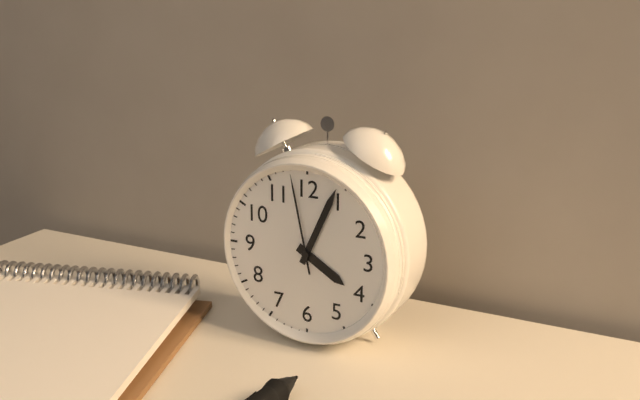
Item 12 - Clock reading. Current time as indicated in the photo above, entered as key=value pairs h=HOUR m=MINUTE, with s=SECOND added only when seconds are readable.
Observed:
h=4 m=4 s=58
